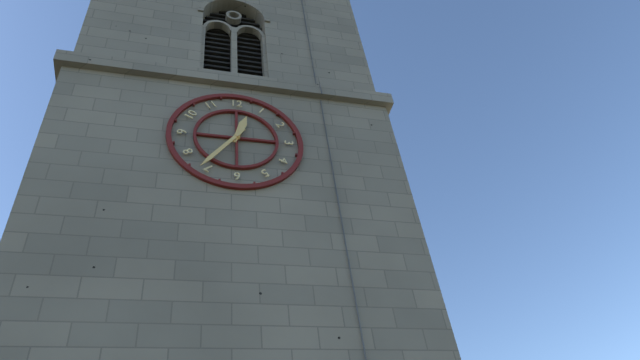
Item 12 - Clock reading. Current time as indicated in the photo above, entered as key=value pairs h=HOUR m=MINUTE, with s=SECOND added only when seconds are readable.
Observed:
h=12 m=36
